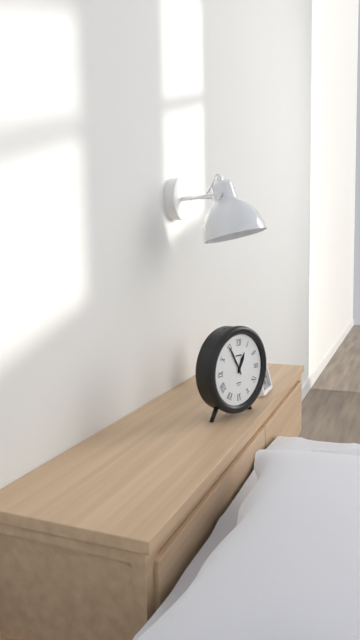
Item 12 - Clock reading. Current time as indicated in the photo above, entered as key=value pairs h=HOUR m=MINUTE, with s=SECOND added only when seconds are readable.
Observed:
h=12 m=55
